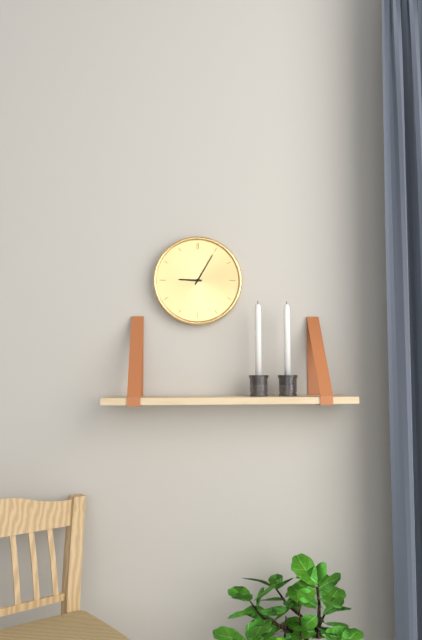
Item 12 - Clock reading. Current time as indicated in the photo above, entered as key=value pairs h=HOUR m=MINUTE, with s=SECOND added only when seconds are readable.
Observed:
h=9 m=5
